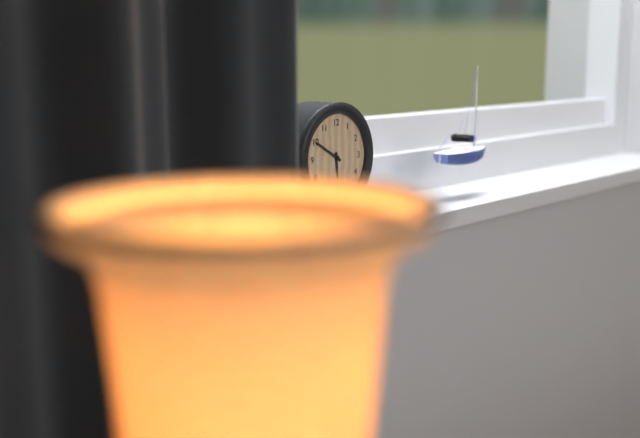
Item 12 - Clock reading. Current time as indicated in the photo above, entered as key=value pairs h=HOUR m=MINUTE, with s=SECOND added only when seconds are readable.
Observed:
h=5 m=50
